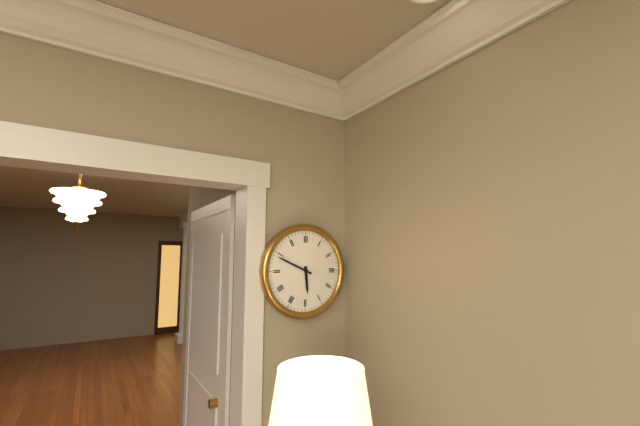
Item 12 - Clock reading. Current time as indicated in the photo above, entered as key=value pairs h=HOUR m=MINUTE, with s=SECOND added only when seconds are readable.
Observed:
h=5 m=49
